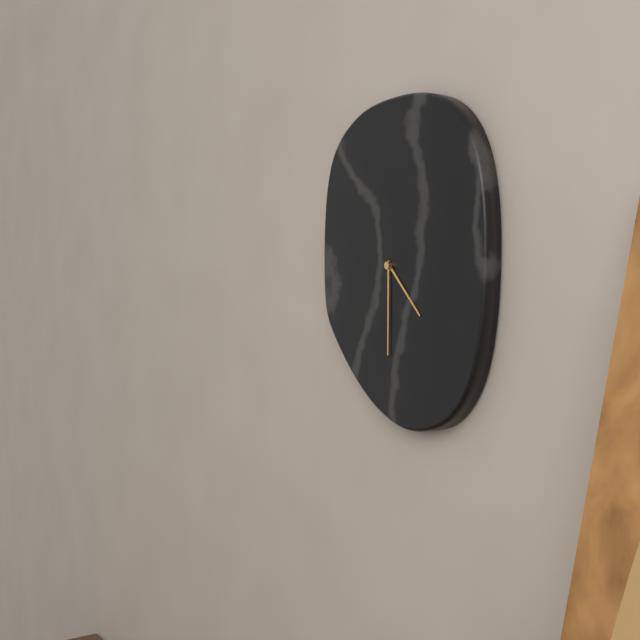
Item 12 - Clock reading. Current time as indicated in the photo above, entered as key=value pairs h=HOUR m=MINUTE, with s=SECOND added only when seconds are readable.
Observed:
h=4 m=30
